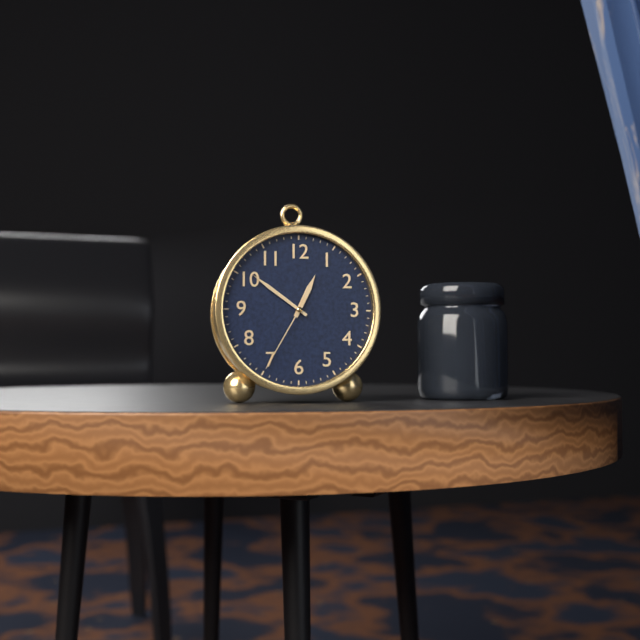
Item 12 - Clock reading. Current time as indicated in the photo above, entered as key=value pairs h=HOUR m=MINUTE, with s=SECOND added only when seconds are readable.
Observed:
h=12 m=51 s=35
